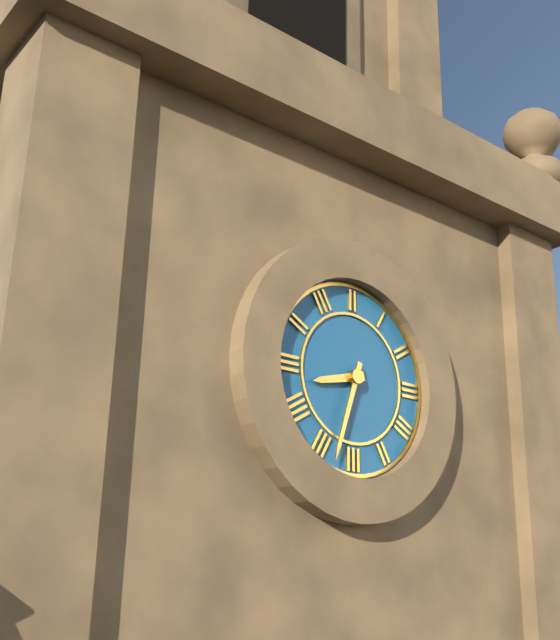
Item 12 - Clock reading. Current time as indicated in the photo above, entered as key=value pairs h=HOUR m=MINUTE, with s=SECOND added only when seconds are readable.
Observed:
h=8 m=33
